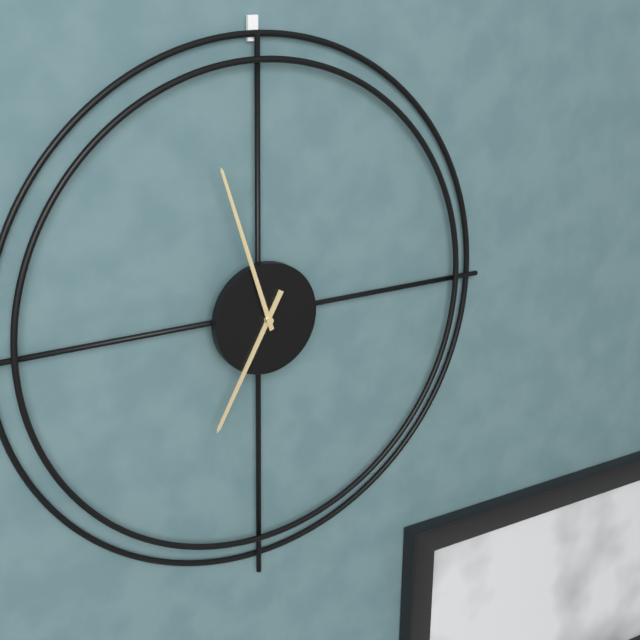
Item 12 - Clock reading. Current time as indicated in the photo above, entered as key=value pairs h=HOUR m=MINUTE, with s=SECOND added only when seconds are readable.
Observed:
h=6 m=57
